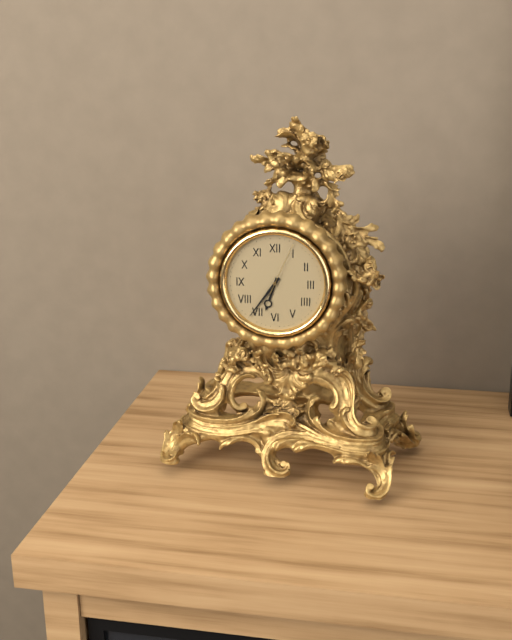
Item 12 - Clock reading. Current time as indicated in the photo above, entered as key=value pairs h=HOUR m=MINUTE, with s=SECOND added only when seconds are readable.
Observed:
h=6 m=36 s=4
